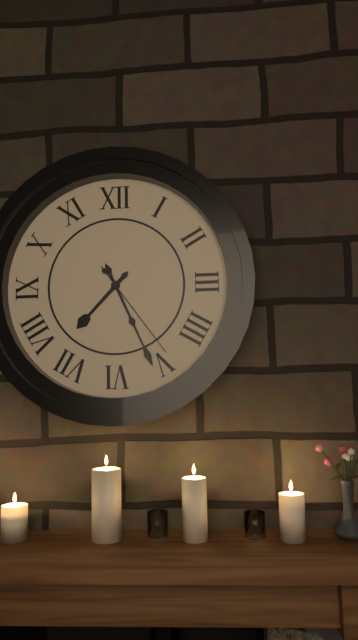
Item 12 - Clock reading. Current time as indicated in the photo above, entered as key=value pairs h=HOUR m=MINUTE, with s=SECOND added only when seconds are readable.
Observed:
h=7 m=26 s=24
